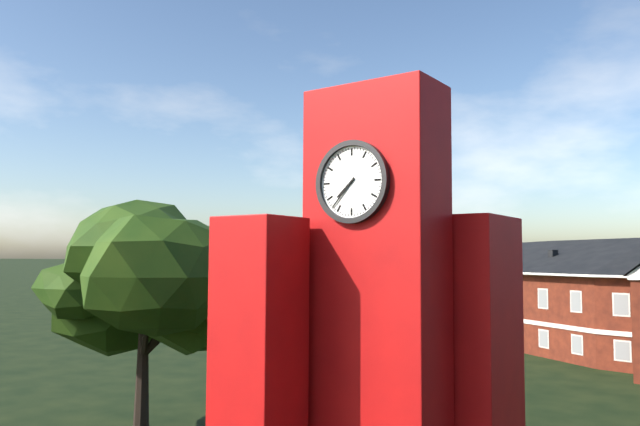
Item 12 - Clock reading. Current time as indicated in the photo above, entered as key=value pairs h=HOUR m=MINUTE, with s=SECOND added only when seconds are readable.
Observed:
h=7 m=37
